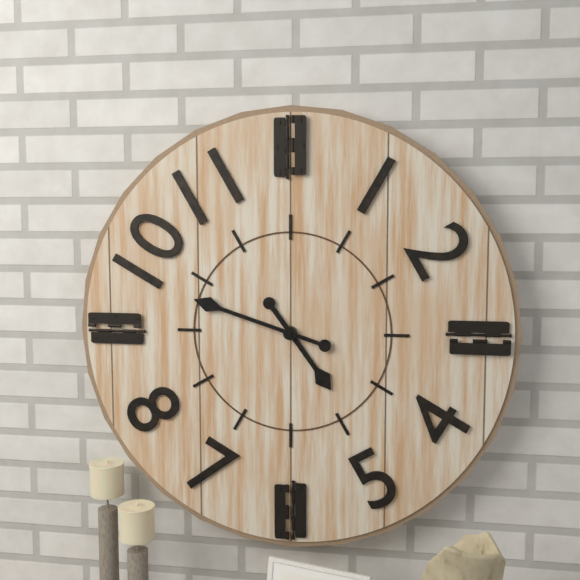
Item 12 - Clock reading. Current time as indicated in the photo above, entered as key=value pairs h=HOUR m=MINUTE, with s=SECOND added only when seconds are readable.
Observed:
h=4 m=48
